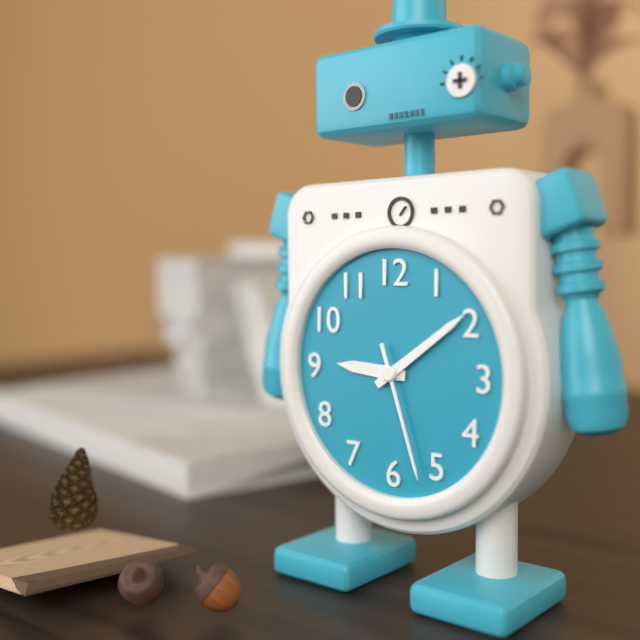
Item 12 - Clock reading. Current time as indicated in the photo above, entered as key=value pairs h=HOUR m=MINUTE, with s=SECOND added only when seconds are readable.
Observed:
h=9 m=9 s=27
